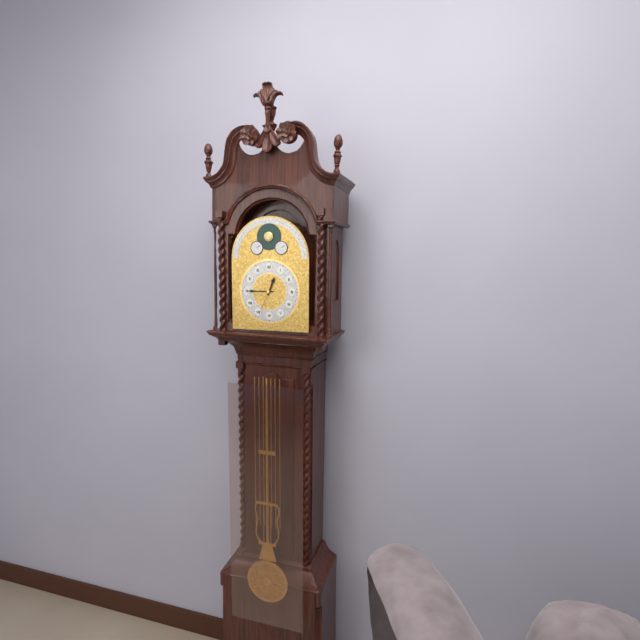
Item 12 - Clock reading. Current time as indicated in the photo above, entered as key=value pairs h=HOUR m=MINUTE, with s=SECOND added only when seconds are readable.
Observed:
h=12 m=45
